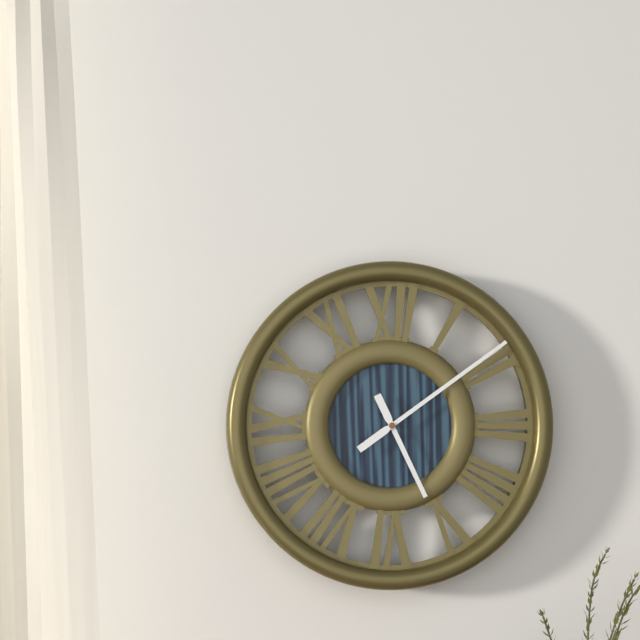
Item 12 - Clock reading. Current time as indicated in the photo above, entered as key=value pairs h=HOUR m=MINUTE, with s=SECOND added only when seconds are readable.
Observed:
h=5 m=9
